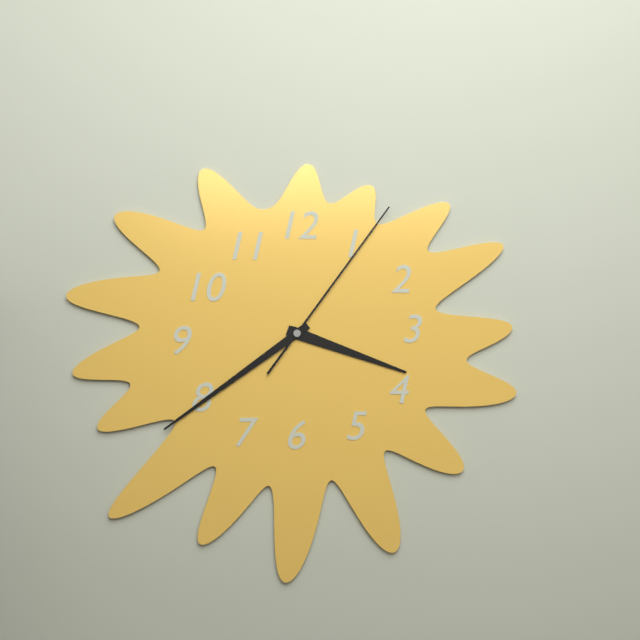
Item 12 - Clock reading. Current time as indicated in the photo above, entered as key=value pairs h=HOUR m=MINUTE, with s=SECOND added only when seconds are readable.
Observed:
h=3 m=39 s=6
